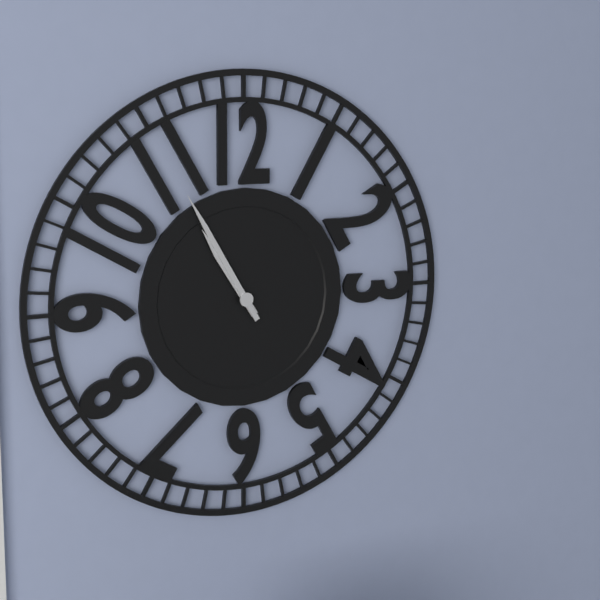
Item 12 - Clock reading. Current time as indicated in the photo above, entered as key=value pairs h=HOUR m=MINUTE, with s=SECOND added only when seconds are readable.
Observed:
h=10 m=55
